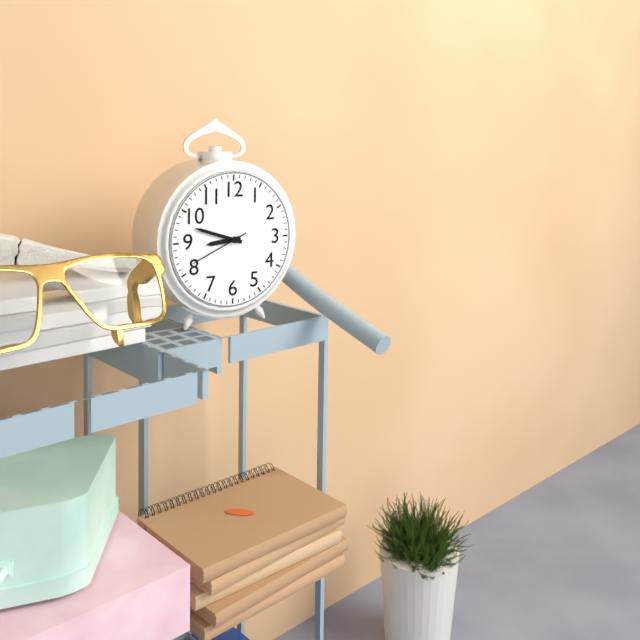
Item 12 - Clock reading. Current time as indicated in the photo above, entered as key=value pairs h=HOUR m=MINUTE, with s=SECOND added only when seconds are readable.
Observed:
h=8 m=48 s=41
